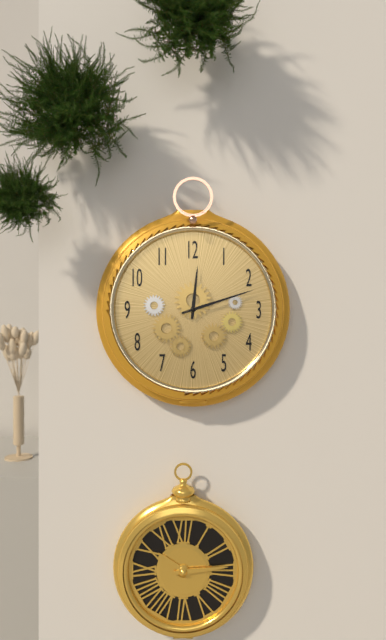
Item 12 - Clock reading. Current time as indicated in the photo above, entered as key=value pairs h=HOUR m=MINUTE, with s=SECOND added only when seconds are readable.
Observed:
h=12 m=12
